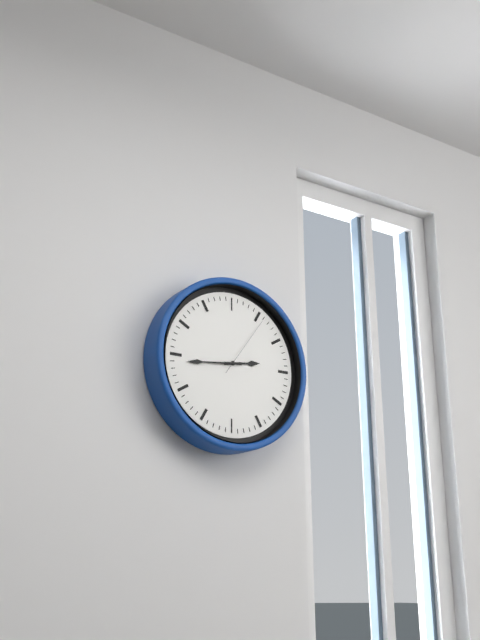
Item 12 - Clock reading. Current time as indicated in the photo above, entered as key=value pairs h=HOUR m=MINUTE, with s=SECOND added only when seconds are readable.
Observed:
h=2 m=44 s=6
